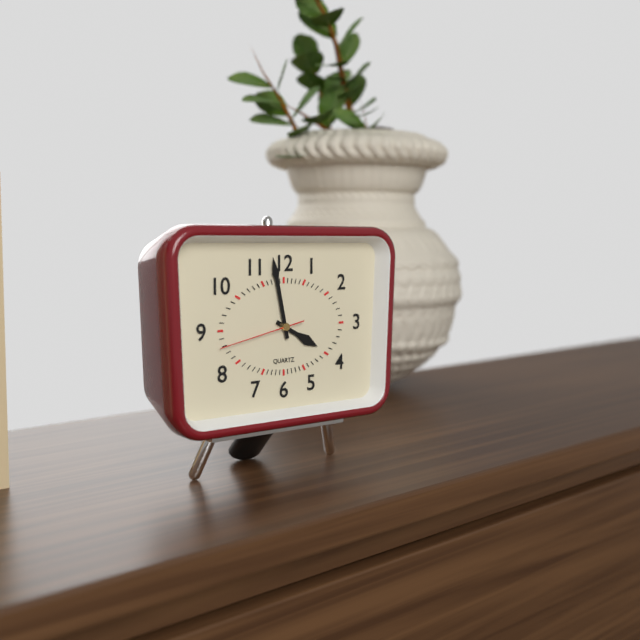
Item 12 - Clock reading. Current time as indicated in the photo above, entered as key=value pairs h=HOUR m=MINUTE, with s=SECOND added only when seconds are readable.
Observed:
h=3 m=58 s=43
